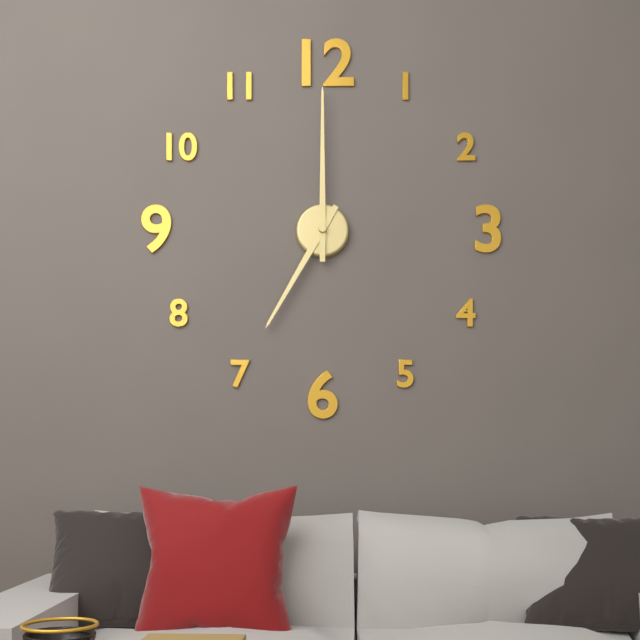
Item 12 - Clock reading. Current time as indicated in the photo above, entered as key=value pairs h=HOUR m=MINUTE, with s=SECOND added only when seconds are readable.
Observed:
h=7 m=0
